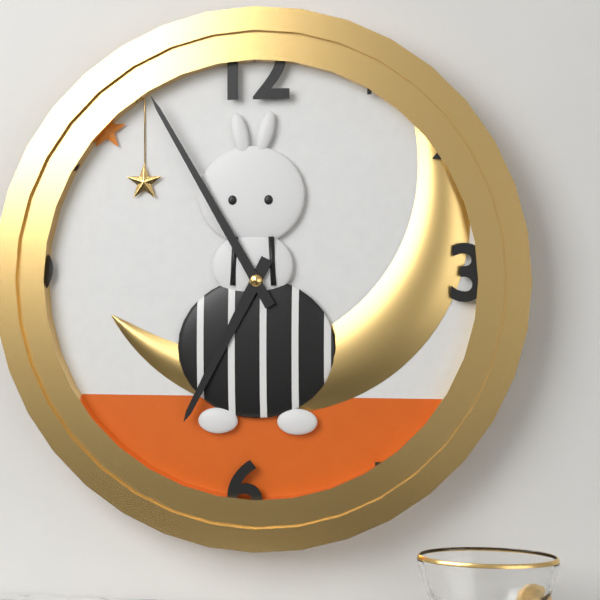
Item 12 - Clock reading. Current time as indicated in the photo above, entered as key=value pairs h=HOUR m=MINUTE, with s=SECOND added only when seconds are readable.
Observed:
h=6 m=55
